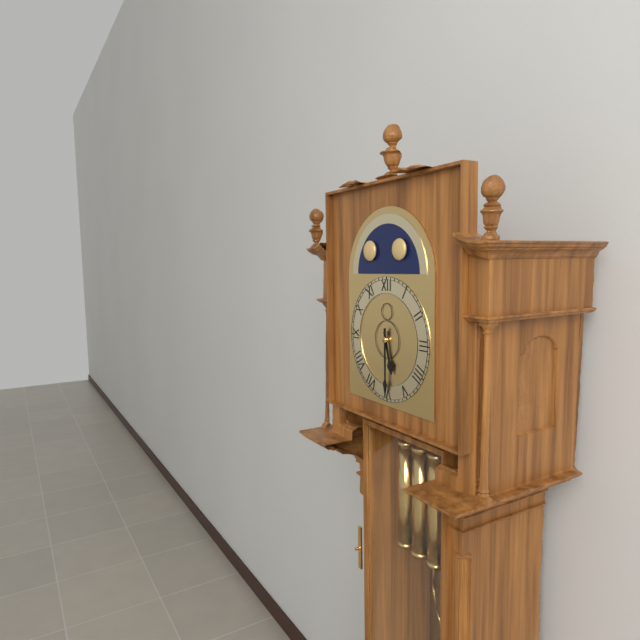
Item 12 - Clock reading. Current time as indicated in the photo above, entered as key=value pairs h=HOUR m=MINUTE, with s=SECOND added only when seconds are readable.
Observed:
h=5 m=30
